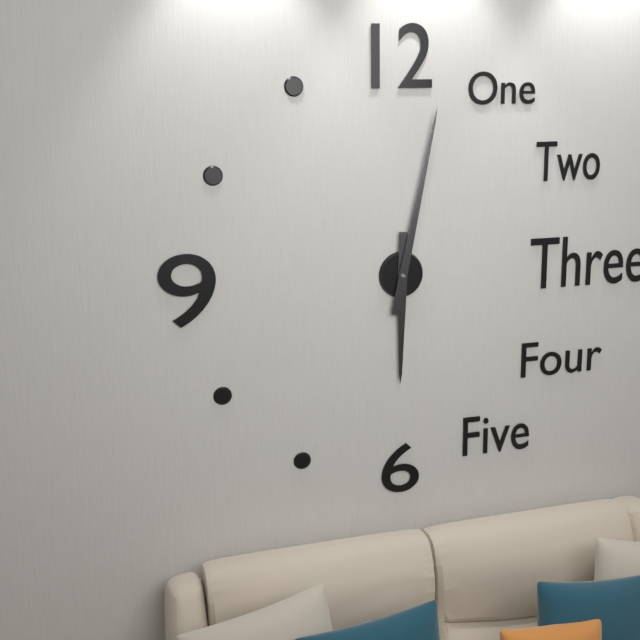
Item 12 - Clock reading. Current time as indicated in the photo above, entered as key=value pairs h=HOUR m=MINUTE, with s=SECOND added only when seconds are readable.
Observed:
h=6 m=2
